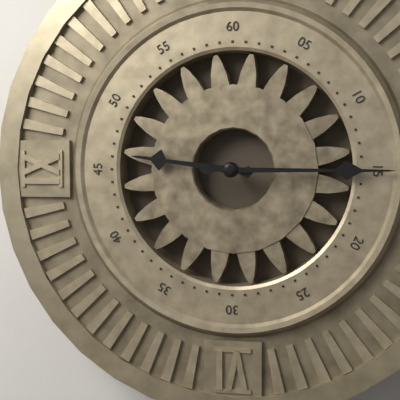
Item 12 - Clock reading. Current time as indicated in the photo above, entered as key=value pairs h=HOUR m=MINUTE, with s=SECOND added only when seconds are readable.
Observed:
h=9 m=15
